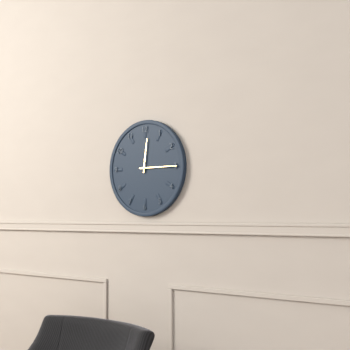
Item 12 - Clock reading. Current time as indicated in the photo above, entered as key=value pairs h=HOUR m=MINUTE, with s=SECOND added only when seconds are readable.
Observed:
h=12 m=15
